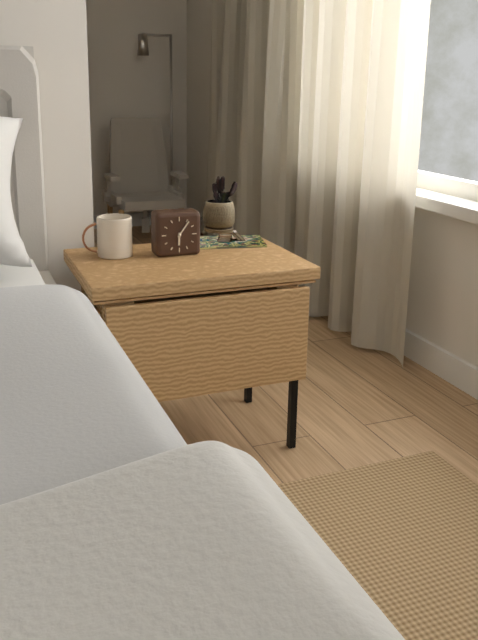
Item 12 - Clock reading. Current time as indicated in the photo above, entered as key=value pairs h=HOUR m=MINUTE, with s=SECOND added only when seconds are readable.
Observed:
h=6 m=6
